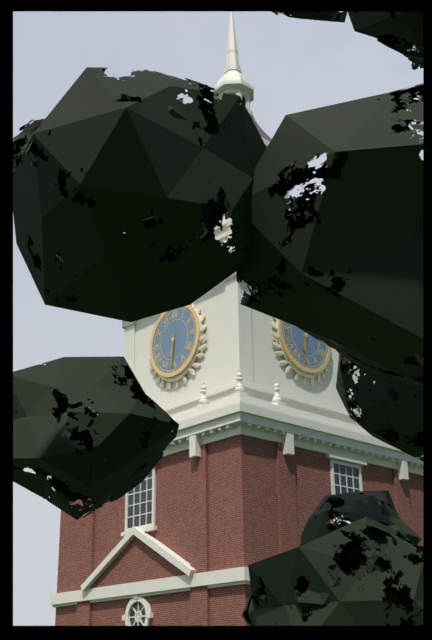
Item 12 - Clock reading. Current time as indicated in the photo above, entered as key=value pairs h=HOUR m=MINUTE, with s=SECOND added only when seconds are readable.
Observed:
h=6 m=31
